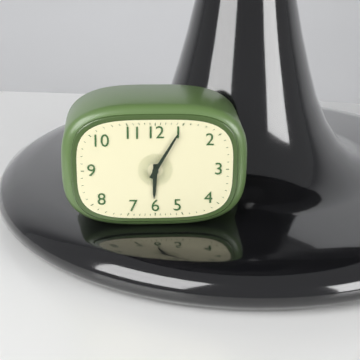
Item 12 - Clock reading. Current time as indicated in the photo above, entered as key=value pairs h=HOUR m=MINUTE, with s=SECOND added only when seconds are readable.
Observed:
h=6 m=5
